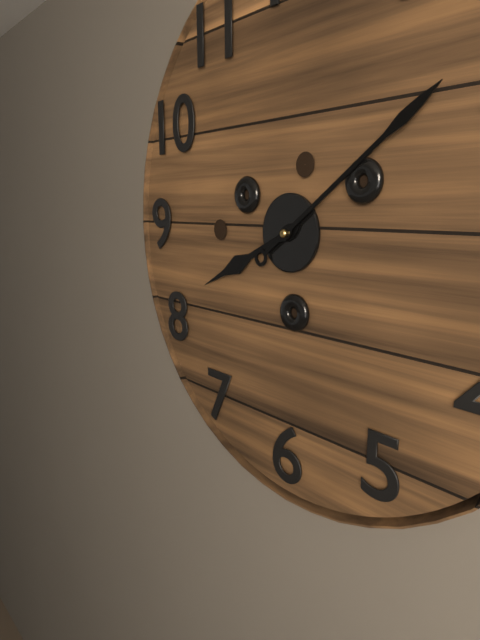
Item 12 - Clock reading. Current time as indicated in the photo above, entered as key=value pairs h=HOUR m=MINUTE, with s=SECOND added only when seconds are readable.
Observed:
h=8 m=9
